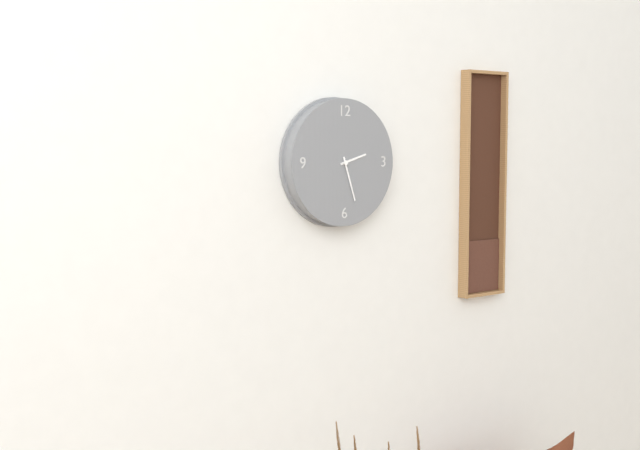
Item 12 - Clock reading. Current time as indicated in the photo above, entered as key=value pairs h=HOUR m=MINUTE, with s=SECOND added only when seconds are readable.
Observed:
h=2 m=27
